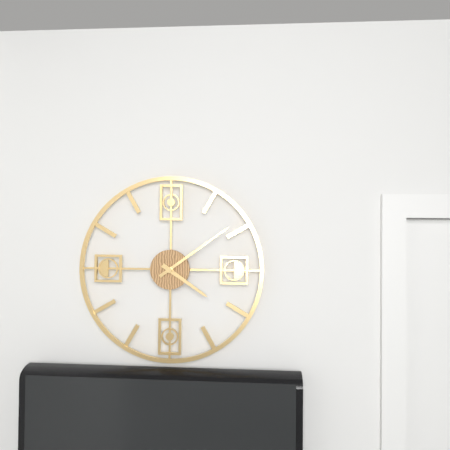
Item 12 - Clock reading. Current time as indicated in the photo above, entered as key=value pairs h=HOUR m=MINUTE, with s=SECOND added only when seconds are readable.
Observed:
h=4 m=9
